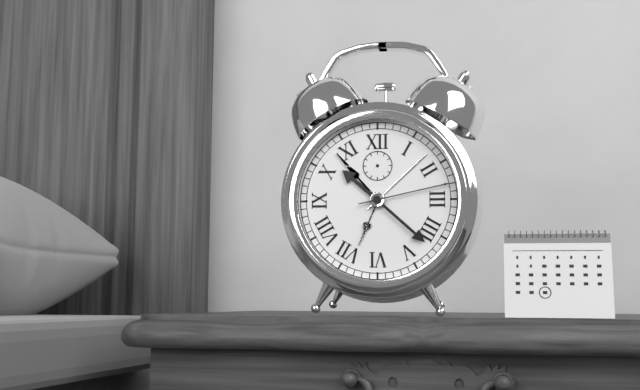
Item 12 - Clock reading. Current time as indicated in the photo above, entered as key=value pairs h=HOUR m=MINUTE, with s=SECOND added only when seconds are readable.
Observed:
h=10 m=22 s=13
